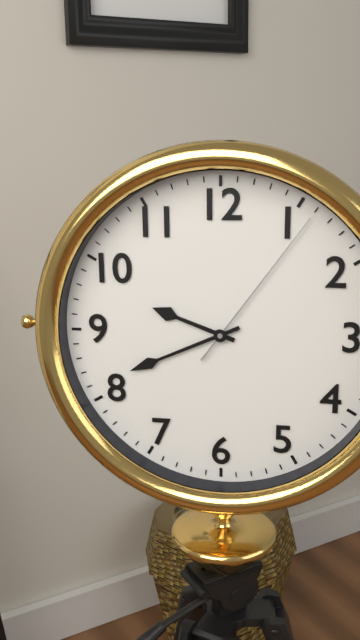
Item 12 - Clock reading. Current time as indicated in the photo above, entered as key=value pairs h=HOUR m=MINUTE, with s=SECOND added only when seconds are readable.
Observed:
h=9 m=41 s=6
